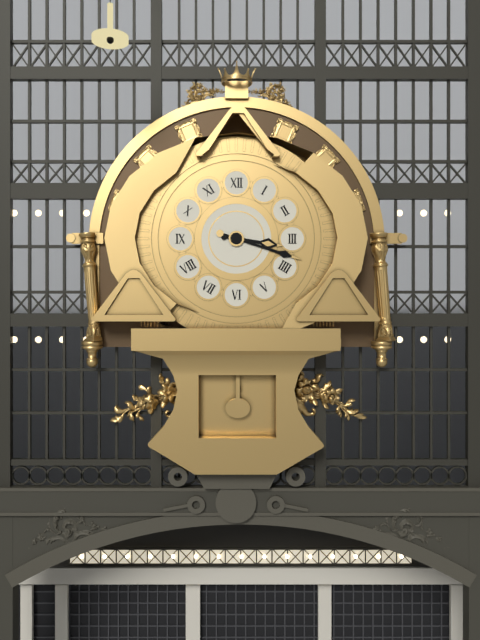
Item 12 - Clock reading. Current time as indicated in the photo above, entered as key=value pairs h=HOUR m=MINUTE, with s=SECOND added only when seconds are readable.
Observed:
h=3 m=18
